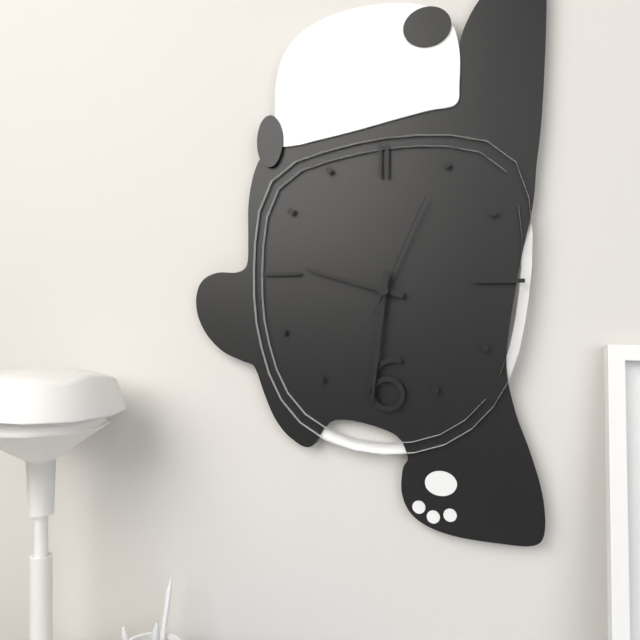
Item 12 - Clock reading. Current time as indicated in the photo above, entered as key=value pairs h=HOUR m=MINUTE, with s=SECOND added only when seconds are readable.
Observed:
h=9 m=31 s=4
